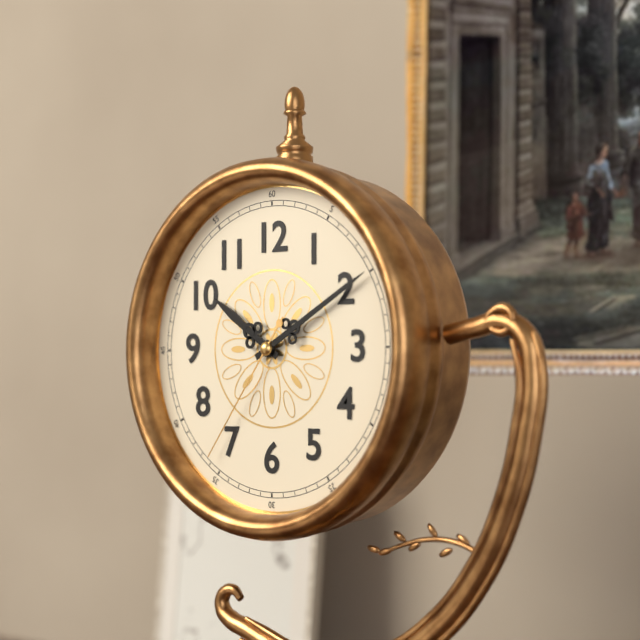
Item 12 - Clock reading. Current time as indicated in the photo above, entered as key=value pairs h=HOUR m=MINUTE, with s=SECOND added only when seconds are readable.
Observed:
h=10 m=10 s=36
